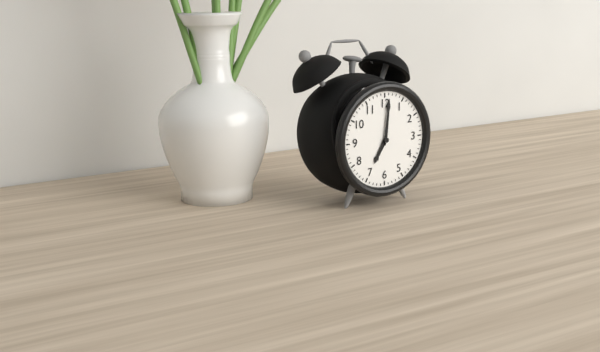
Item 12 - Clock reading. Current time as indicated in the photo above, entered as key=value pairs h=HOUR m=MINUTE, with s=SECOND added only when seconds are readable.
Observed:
h=7 m=1
